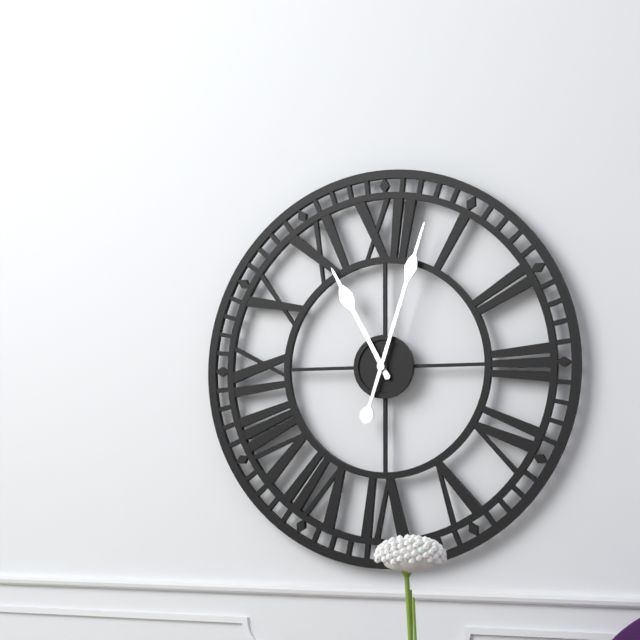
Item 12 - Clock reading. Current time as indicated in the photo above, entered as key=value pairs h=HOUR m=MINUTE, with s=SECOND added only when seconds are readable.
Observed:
h=11 m=3
